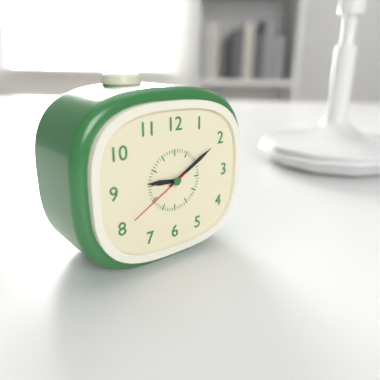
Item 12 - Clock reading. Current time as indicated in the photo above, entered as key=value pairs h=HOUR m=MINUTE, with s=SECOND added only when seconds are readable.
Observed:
h=9 m=10 s=40
